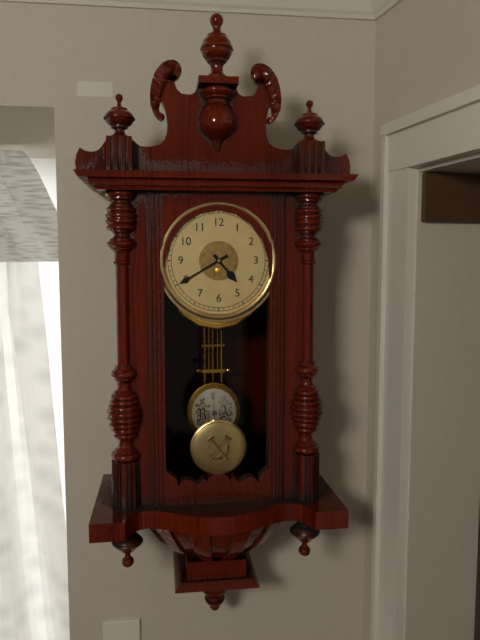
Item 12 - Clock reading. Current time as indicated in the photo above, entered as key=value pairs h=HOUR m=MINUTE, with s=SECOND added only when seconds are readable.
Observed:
h=4 m=40
